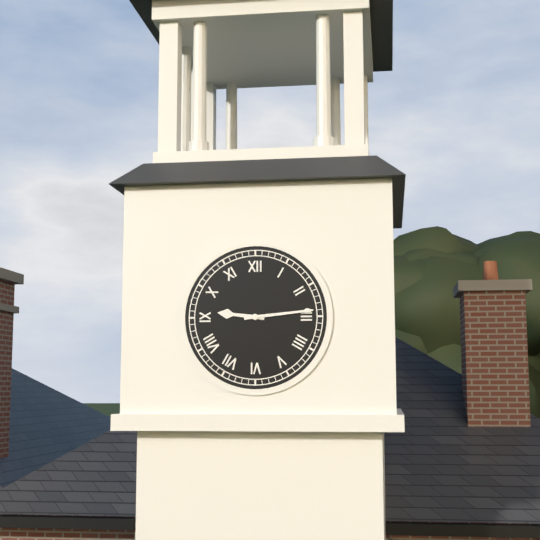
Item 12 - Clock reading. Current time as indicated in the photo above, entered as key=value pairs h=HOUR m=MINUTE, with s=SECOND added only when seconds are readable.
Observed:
h=9 m=14
